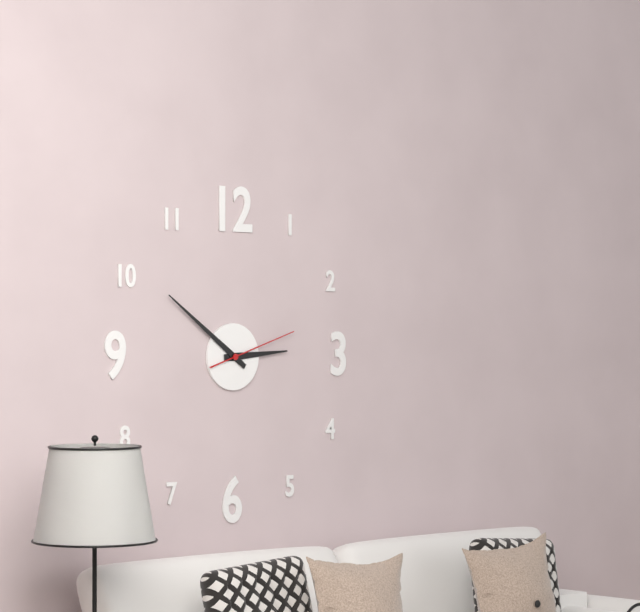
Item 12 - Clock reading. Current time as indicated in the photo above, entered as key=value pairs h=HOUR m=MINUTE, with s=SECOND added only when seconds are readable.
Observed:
h=2 m=51 s=12
